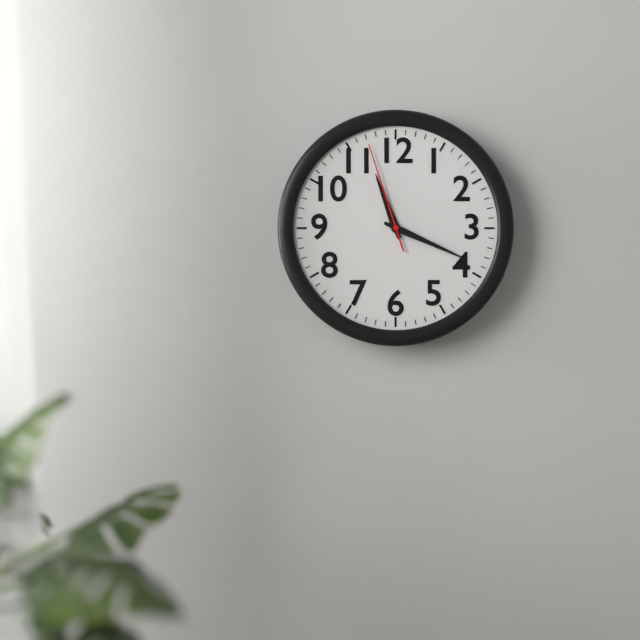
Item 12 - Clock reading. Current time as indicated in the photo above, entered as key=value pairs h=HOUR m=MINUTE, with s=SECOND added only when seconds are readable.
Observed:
h=11 m=19 s=57
